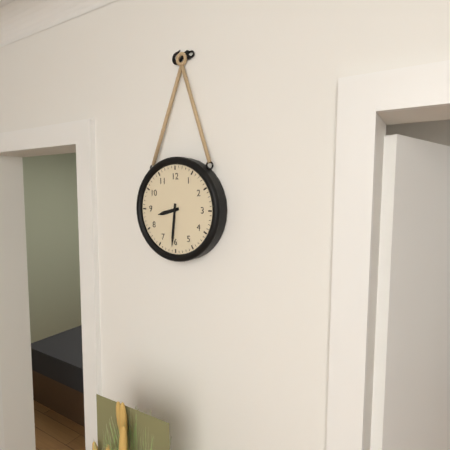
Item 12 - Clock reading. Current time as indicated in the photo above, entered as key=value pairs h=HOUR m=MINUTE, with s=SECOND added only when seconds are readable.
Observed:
h=8 m=31
